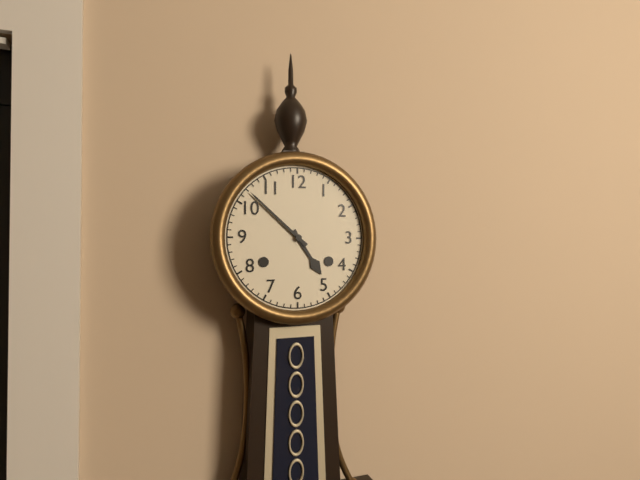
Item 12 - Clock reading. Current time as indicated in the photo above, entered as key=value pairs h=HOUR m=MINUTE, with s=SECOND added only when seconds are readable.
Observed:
h=4 m=52
